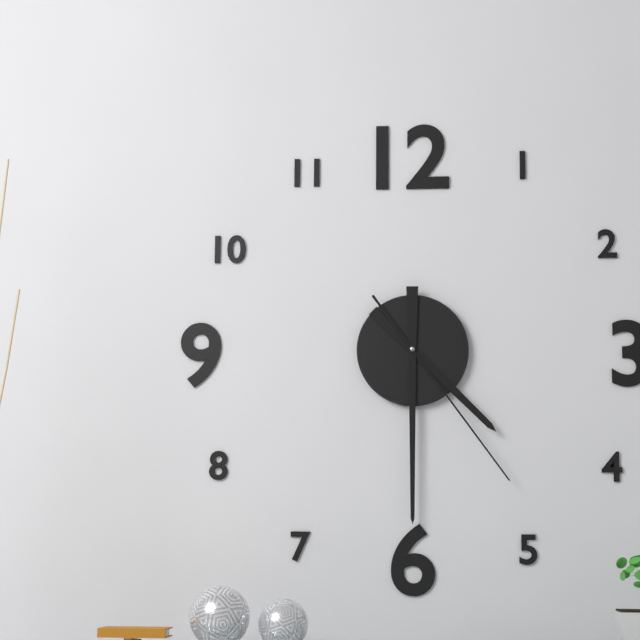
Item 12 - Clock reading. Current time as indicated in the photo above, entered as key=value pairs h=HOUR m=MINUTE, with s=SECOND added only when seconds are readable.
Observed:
h=4 m=30 s=24
